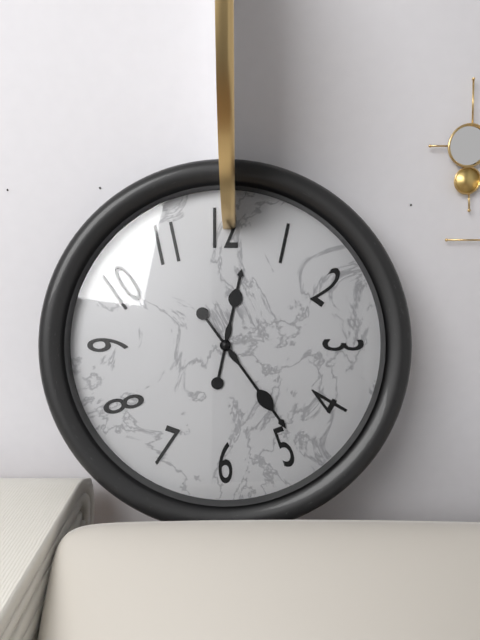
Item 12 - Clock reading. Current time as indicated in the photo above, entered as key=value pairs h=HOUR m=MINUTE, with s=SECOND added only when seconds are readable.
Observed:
h=12 m=24
